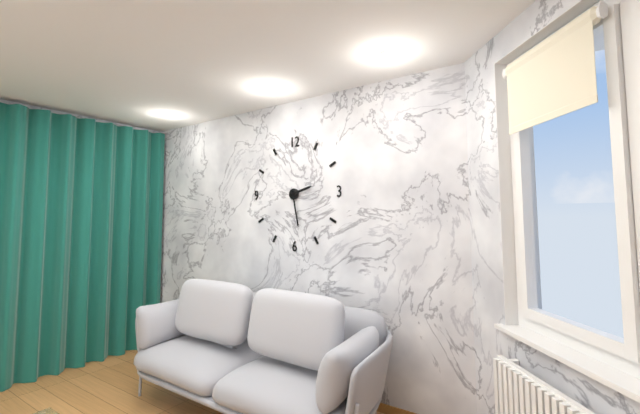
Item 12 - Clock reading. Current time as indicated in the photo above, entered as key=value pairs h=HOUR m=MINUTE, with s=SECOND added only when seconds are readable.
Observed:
h=2 m=28
